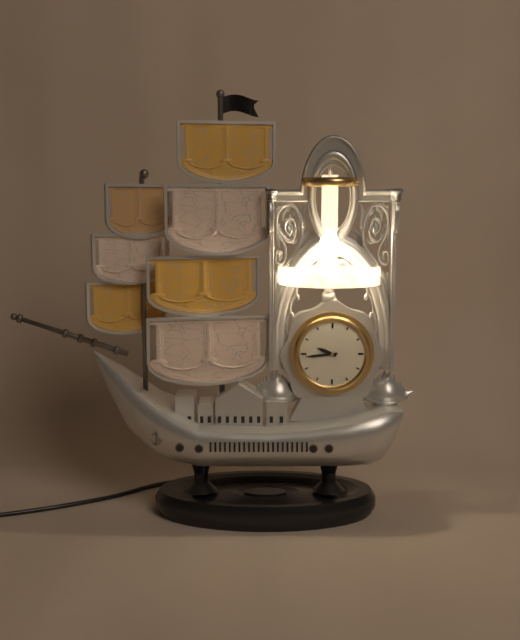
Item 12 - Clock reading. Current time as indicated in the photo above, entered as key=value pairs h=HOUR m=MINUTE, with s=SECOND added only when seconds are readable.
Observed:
h=9 m=44
